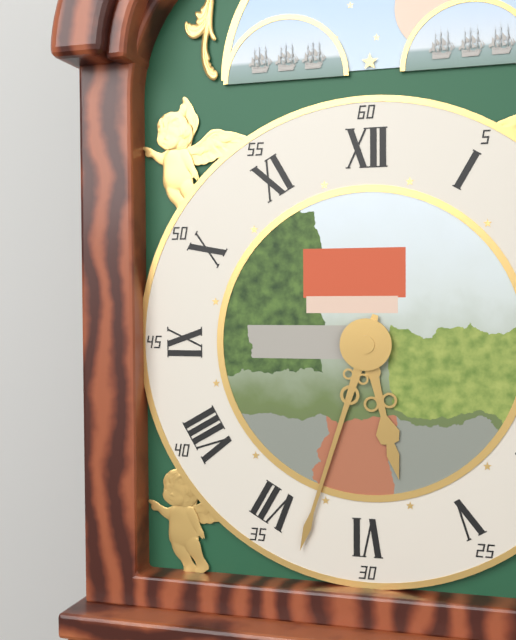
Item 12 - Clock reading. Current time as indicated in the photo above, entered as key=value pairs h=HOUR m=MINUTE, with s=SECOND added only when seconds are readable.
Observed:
h=5 m=33
